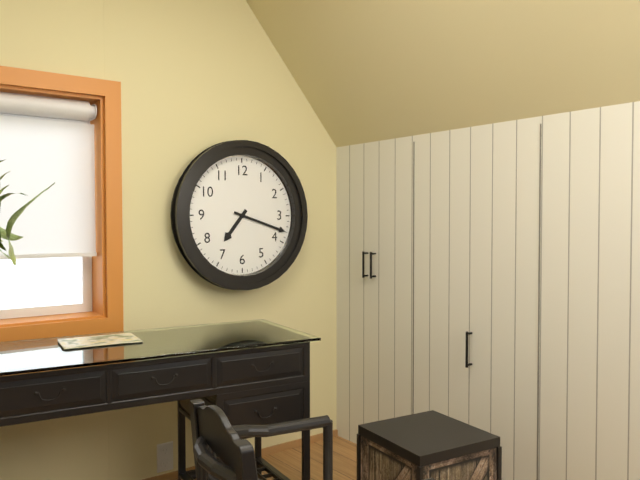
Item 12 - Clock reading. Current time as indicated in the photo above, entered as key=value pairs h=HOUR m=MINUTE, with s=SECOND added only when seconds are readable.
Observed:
h=7 m=18
